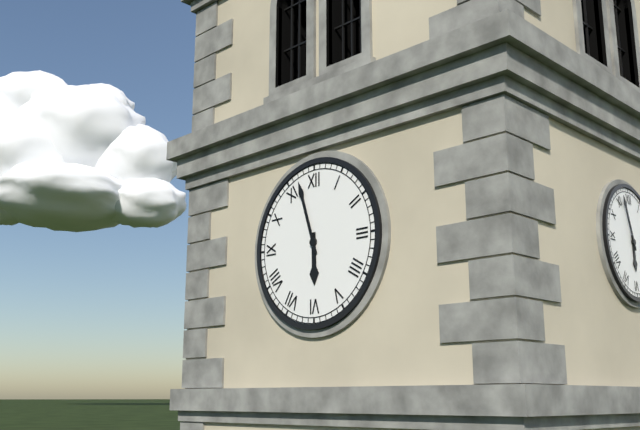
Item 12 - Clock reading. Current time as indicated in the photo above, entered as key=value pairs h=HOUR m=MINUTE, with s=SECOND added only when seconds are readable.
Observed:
h=5 m=57
